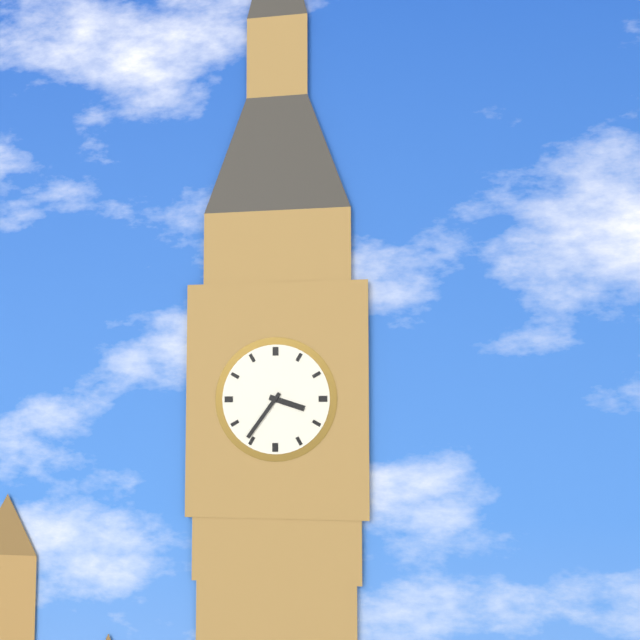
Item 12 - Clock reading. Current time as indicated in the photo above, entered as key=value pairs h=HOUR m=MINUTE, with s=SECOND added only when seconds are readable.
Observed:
h=3 m=36
